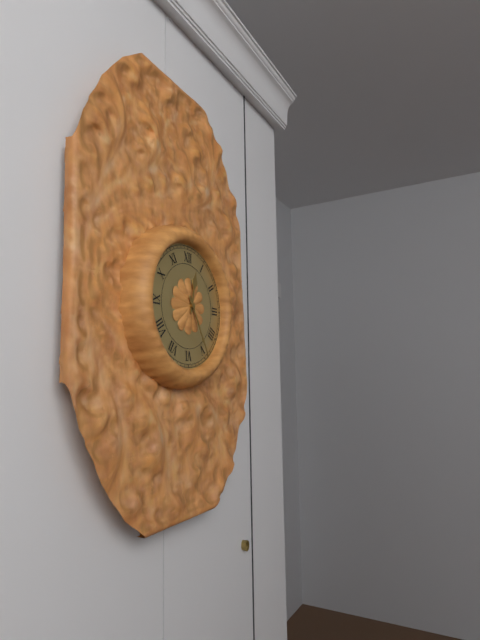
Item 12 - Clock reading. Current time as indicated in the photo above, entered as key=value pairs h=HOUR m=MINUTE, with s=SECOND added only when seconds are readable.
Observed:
h=12 m=25
